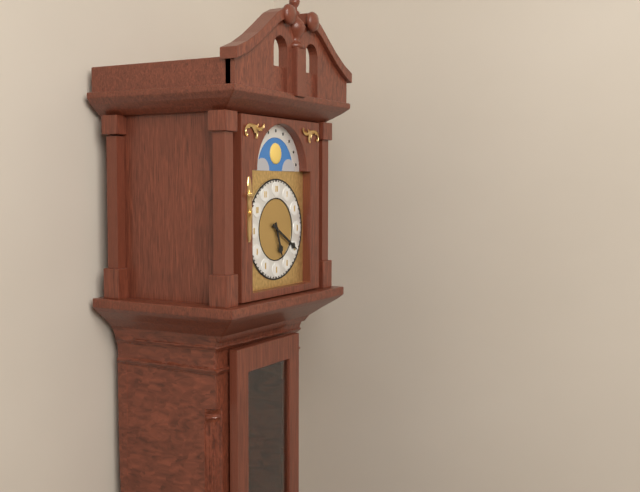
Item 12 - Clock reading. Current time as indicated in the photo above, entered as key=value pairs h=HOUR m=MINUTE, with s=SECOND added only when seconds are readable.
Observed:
h=5 m=20
